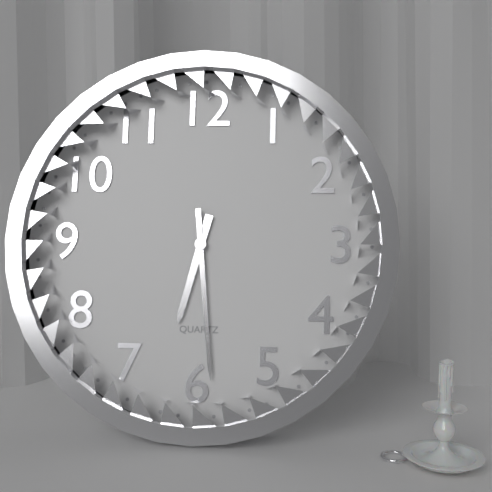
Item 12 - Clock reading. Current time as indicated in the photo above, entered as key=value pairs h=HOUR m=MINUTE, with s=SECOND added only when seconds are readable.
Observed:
h=6 m=29
